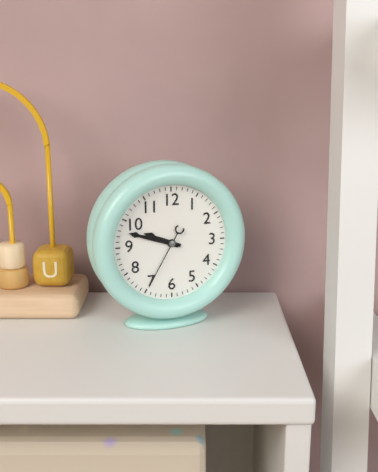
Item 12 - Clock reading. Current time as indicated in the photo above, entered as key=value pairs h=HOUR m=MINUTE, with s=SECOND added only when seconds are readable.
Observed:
h=9 m=48 s=35
